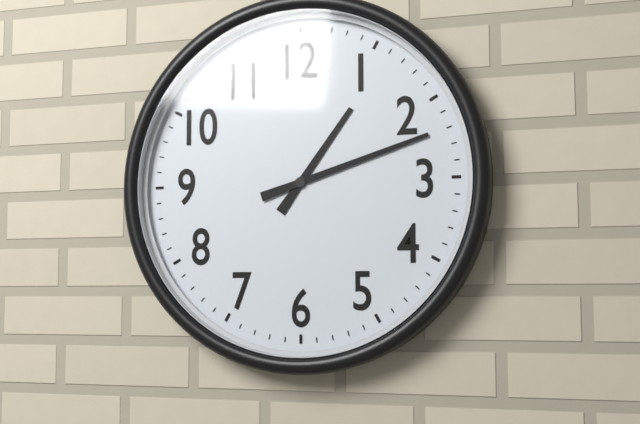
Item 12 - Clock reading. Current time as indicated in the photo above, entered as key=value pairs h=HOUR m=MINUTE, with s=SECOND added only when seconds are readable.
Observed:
h=1 m=12
